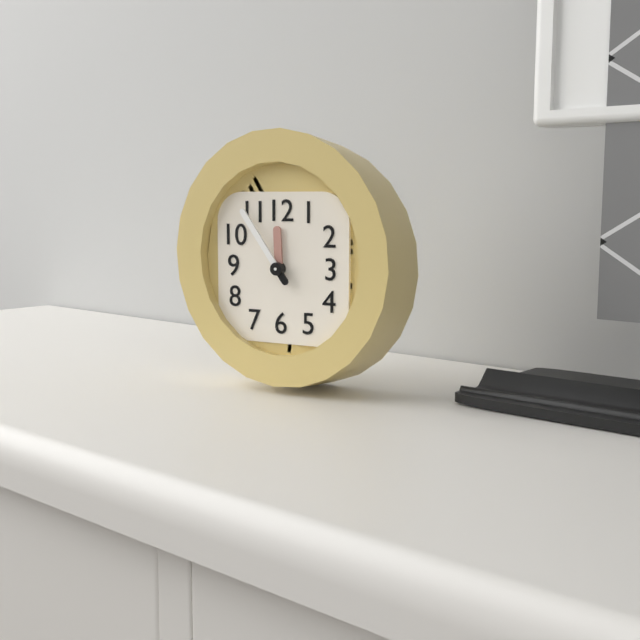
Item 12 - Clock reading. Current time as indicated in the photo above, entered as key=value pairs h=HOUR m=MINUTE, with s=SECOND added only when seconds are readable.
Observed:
h=11 m=54
